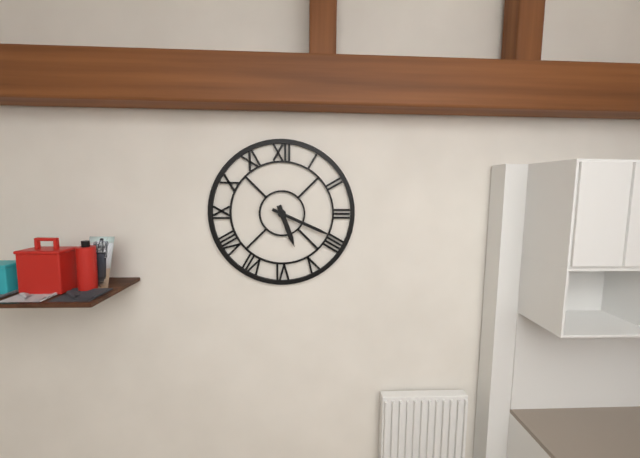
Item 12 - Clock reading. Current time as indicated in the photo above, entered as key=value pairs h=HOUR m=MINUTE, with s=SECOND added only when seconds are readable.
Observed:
h=5 m=19
